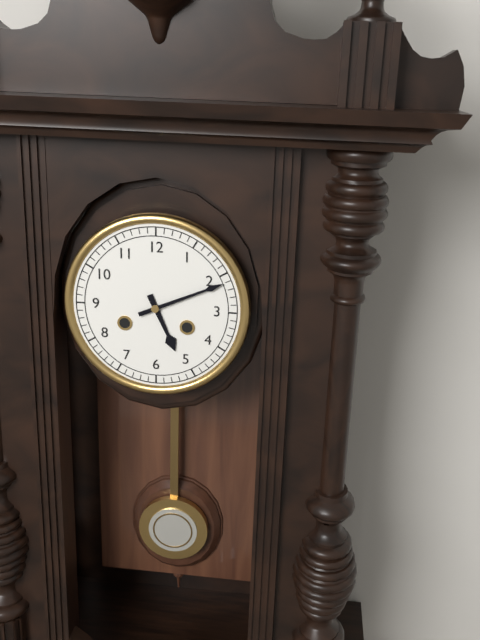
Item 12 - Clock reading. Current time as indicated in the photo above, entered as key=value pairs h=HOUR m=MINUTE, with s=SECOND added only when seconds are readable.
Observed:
h=5 m=11
